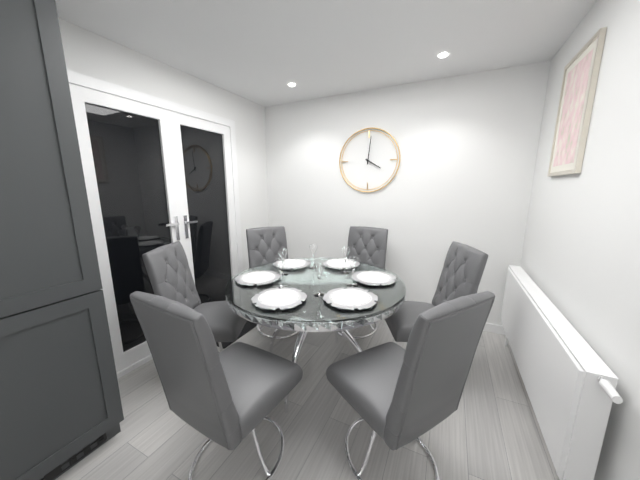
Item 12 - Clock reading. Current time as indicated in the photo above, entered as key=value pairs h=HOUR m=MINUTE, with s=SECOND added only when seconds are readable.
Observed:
h=4 m=1
